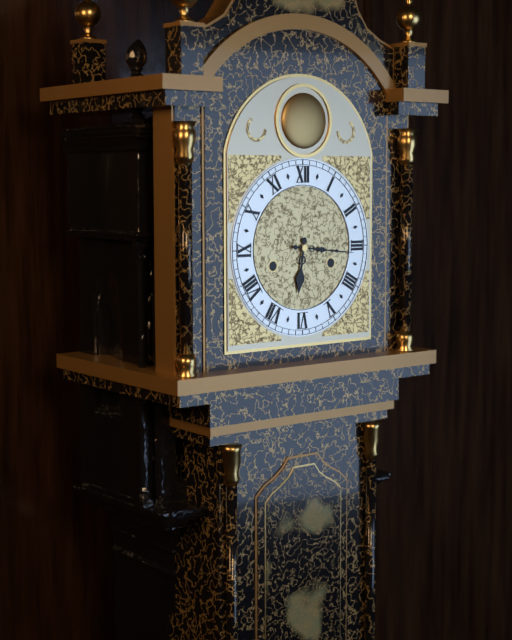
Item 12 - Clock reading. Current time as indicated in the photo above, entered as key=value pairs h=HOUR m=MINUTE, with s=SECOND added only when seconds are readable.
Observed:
h=6 m=16
